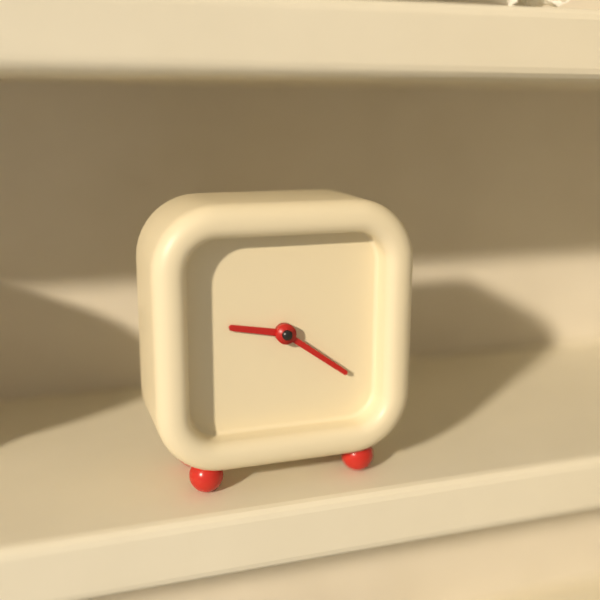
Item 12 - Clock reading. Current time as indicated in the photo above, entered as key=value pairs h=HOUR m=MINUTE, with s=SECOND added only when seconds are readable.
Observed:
h=9 m=21
